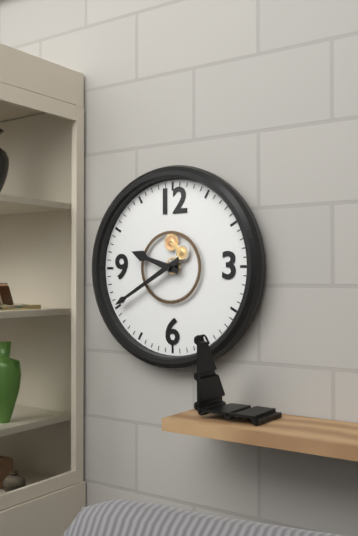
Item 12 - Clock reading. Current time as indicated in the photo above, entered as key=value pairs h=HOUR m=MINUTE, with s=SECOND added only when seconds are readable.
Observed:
h=9 m=40
